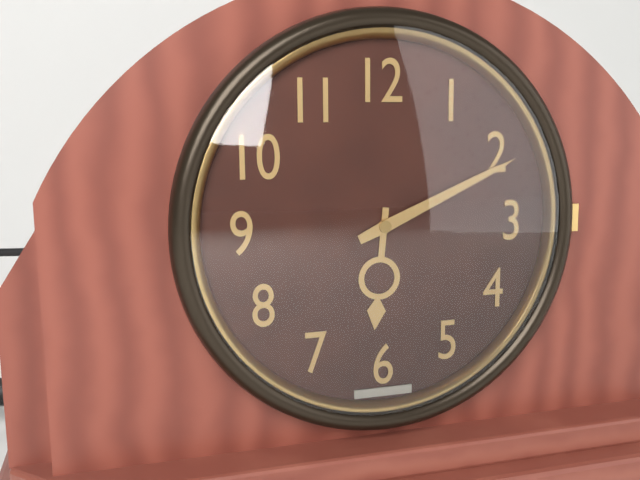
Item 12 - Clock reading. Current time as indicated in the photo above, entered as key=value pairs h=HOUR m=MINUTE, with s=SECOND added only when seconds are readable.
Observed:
h=6 m=11
